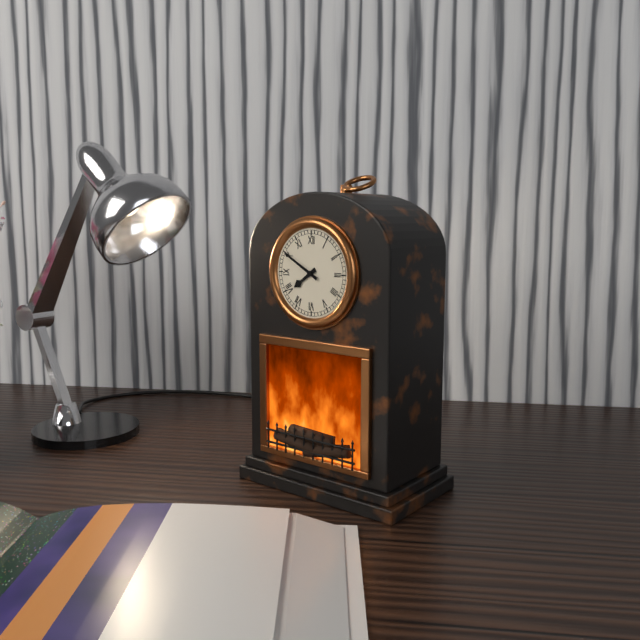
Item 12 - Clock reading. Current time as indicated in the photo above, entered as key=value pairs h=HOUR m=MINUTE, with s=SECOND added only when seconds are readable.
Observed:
h=7 m=50
